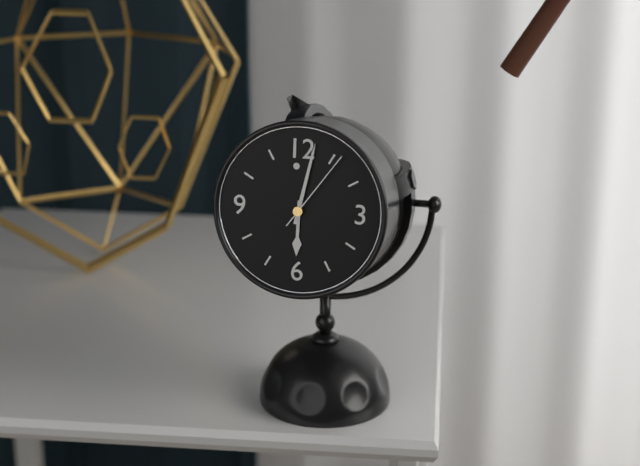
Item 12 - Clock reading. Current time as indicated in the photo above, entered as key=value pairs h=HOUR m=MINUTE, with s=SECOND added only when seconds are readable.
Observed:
h=6 m=2 s=6
